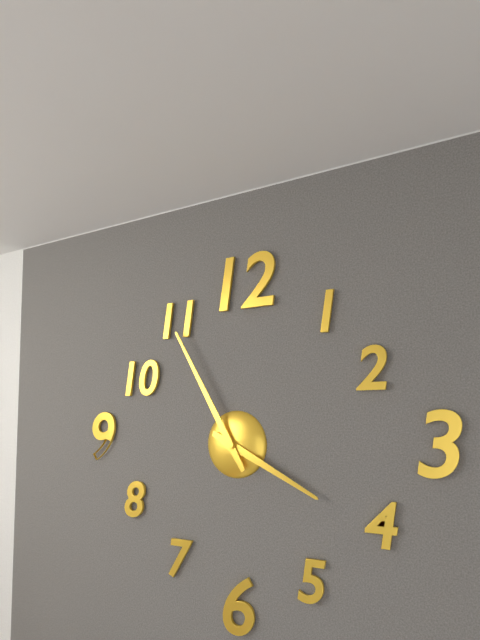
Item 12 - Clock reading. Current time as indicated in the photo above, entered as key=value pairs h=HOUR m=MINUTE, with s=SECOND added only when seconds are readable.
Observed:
h=3 m=55
